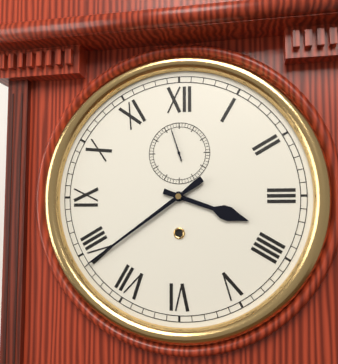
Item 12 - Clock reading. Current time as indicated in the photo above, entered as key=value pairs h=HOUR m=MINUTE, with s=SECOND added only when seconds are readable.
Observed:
h=3 m=39
